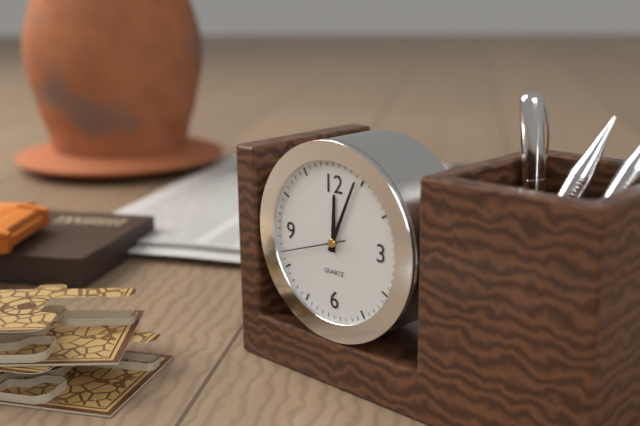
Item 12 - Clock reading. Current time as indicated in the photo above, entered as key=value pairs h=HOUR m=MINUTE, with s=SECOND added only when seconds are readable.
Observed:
h=12 m=4 s=42
